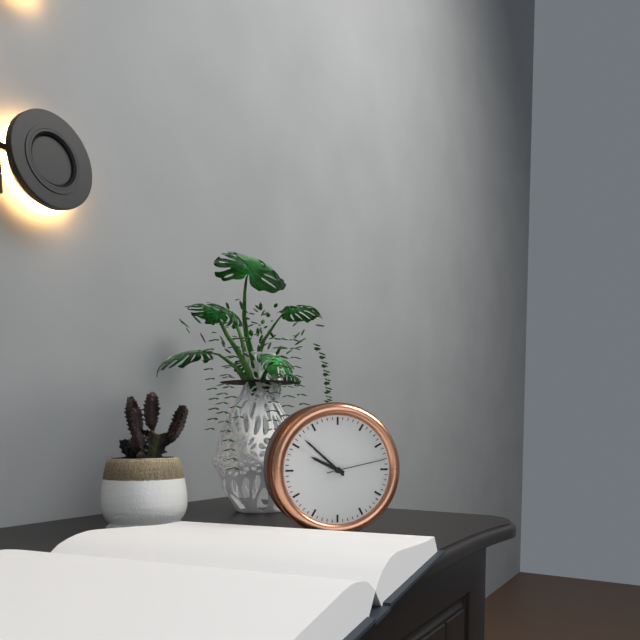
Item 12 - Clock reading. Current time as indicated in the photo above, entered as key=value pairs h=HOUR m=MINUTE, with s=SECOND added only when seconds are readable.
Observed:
h=9 m=52 s=13
